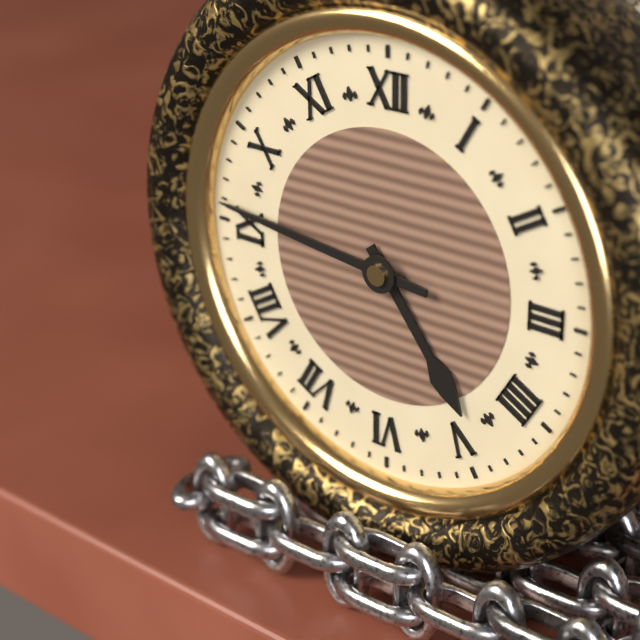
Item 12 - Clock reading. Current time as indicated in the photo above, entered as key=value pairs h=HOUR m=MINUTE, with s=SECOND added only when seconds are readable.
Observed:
h=4 m=46
